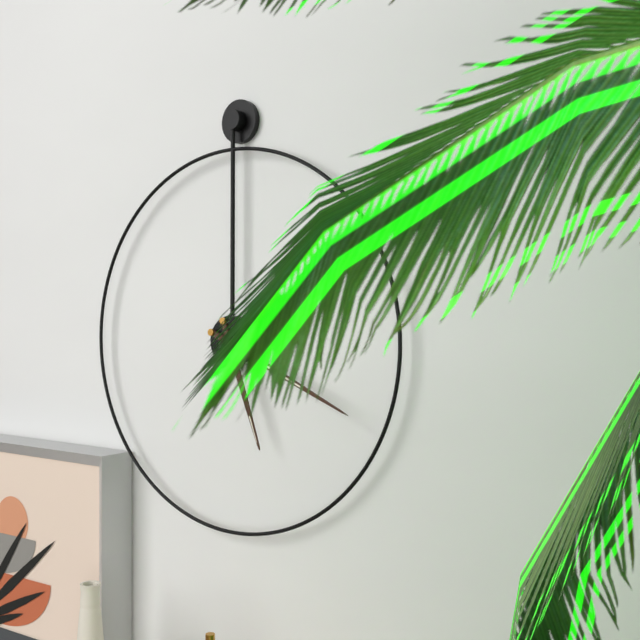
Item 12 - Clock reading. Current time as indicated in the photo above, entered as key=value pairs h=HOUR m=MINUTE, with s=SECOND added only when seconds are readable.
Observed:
h=5 m=19
